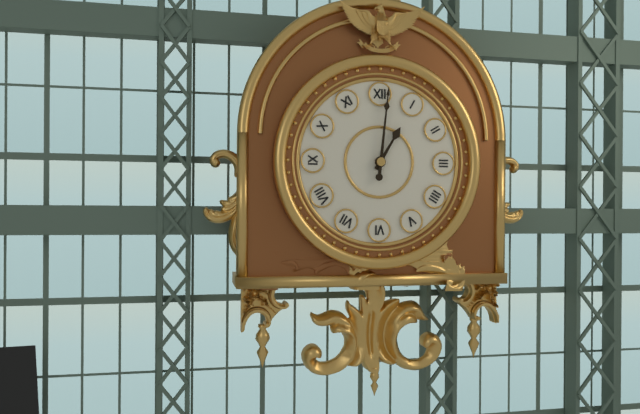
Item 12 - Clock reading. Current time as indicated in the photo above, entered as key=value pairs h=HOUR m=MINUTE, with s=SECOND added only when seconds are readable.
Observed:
h=1 m=1
